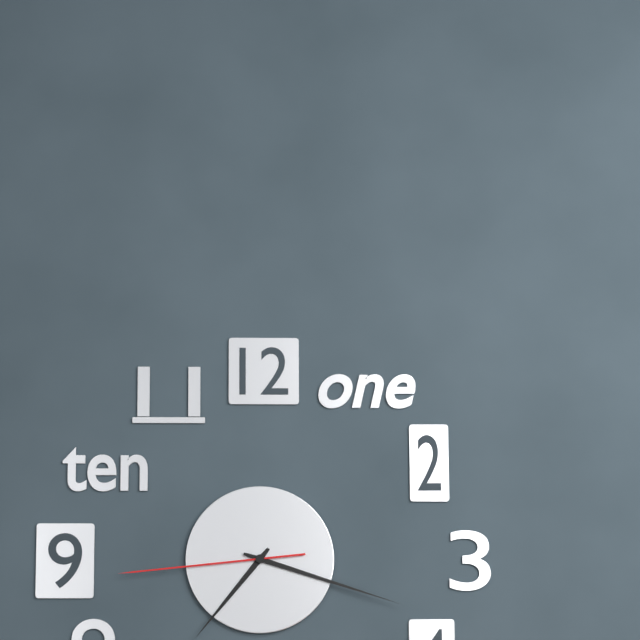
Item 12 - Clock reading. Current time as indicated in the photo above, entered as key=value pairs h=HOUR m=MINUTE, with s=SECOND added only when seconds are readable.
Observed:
h=7 m=18 s=44
